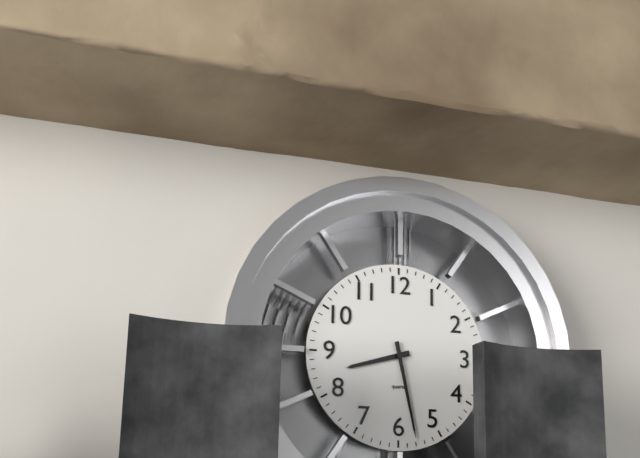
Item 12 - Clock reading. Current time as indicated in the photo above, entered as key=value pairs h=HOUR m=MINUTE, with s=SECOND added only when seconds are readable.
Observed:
h=8 m=28
